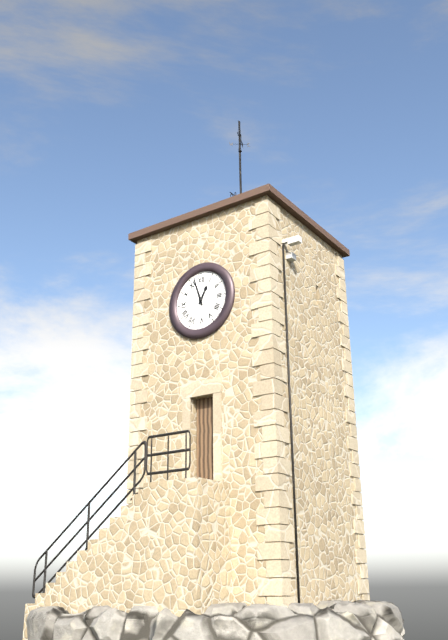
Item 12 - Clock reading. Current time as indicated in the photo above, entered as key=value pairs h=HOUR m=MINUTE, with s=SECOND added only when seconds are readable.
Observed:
h=12 m=57
